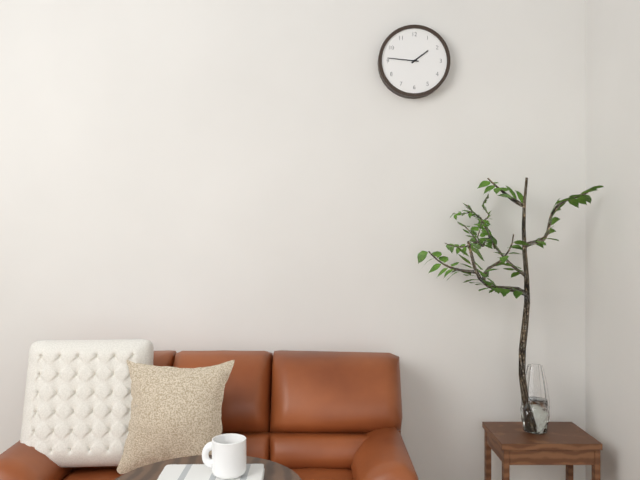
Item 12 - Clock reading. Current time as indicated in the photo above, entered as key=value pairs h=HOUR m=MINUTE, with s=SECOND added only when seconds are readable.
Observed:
h=1 m=46
